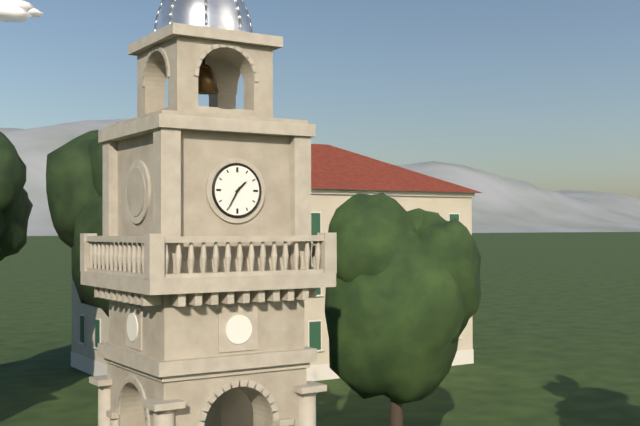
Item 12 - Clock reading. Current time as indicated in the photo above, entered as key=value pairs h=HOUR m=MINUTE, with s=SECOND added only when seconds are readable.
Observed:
h=1 m=35
